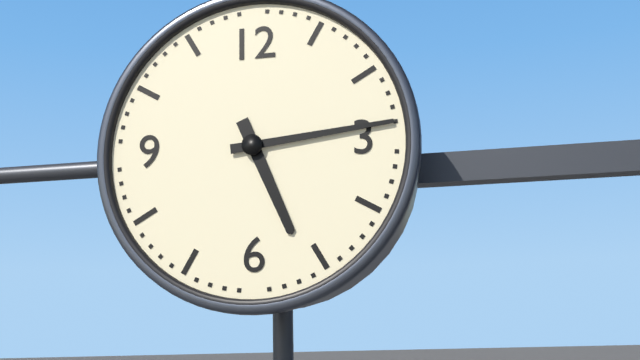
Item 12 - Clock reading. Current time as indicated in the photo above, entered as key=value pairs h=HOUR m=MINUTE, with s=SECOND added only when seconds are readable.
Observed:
h=5 m=14
